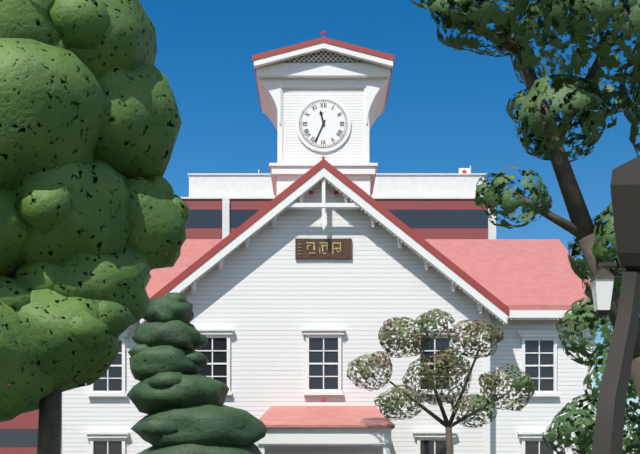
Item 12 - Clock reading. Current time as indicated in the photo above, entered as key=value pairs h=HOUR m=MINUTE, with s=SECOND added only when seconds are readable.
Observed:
h=11 m=34
